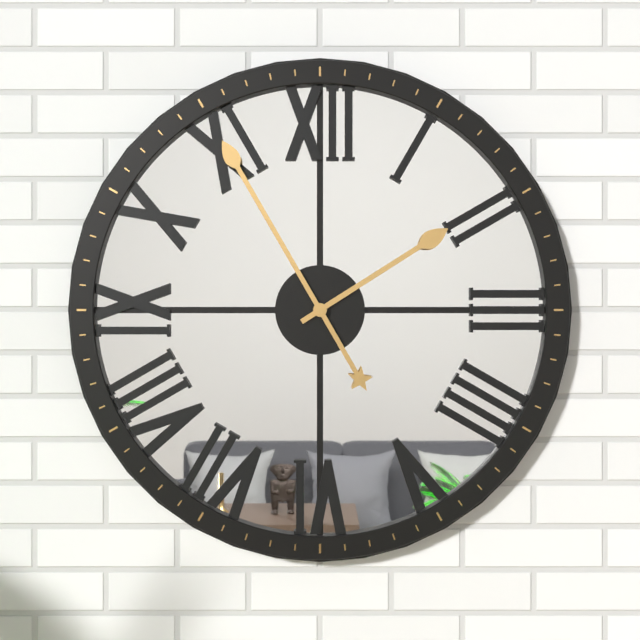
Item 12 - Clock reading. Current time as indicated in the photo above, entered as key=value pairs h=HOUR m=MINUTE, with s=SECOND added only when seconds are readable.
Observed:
h=1 m=55
